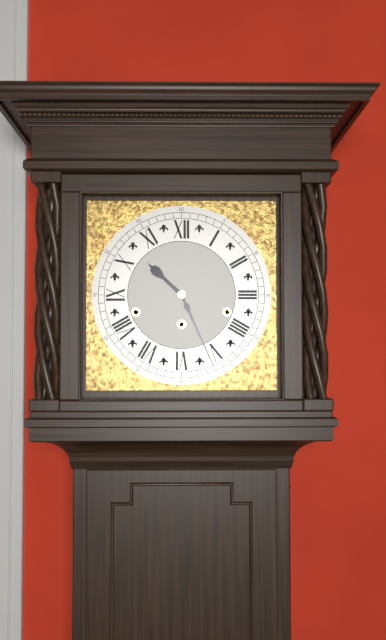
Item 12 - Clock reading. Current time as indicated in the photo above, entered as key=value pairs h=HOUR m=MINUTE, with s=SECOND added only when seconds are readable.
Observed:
h=10 m=26
